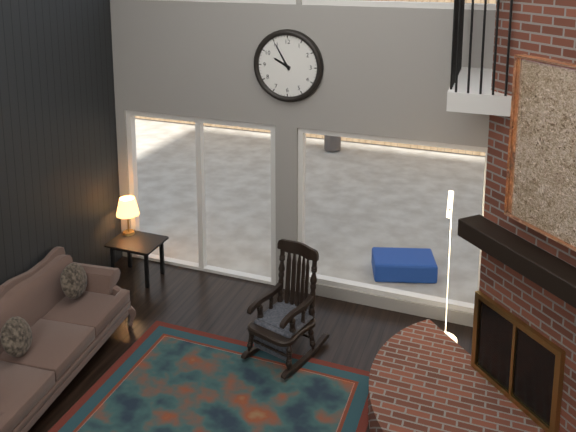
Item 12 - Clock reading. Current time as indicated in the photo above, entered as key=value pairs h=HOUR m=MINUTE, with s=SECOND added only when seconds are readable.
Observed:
h=9 m=55
